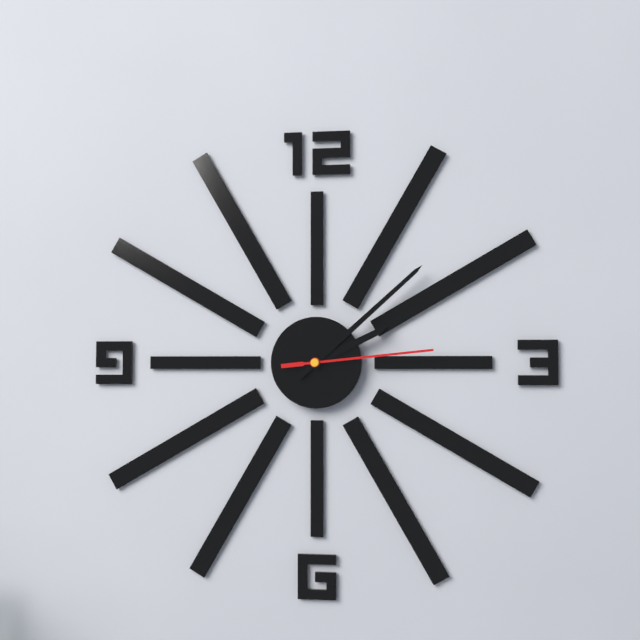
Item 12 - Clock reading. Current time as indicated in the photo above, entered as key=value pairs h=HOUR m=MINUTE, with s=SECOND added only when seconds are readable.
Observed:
h=2 m=8 s=14
